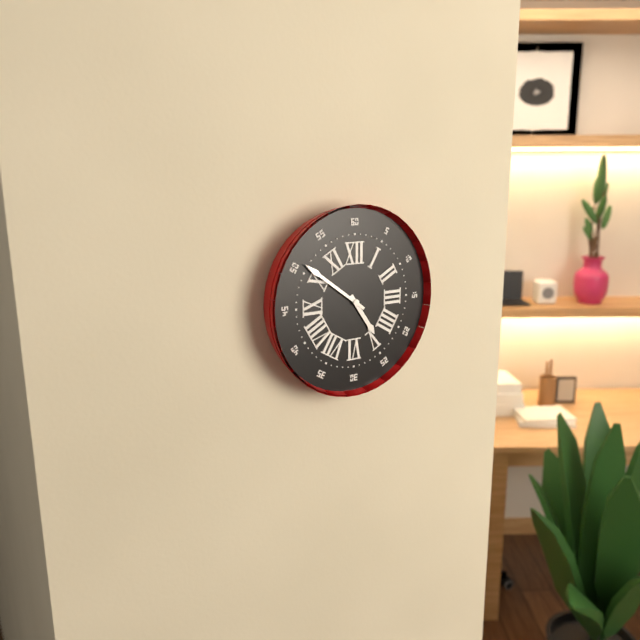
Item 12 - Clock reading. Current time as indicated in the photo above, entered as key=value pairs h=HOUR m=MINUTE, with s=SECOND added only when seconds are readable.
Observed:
h=4 m=51
